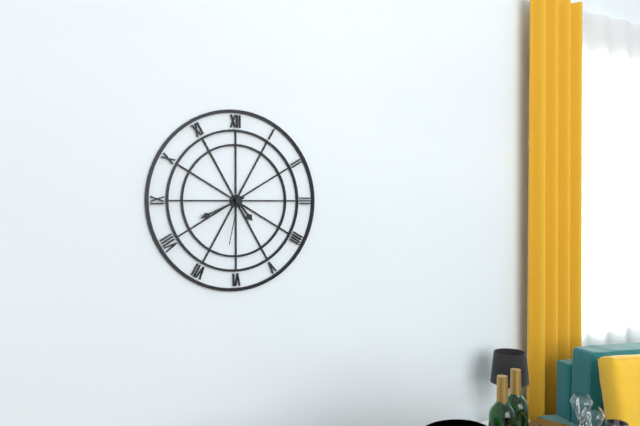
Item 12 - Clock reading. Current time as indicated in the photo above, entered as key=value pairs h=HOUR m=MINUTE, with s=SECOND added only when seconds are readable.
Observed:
h=4 m=41 s=32
